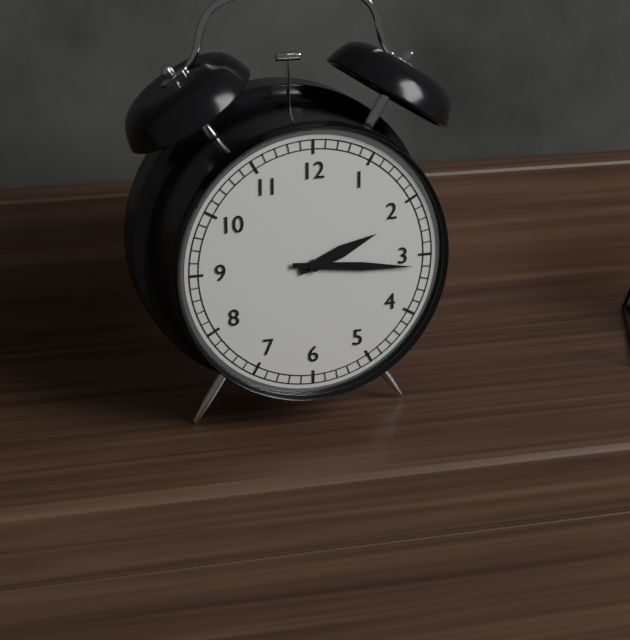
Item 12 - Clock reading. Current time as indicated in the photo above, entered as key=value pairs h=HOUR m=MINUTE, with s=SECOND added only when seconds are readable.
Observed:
h=2 m=16
